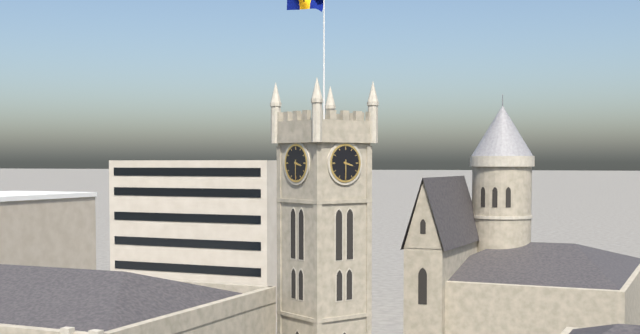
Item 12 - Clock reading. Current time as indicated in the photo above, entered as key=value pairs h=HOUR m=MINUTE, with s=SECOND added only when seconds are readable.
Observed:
h=3 m=30
